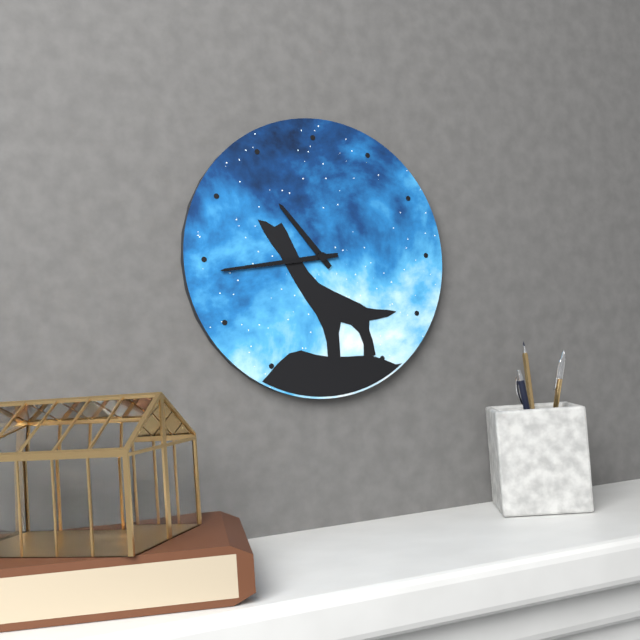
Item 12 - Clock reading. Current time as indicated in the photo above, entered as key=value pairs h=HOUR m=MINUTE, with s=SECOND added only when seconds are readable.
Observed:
h=10 m=44
